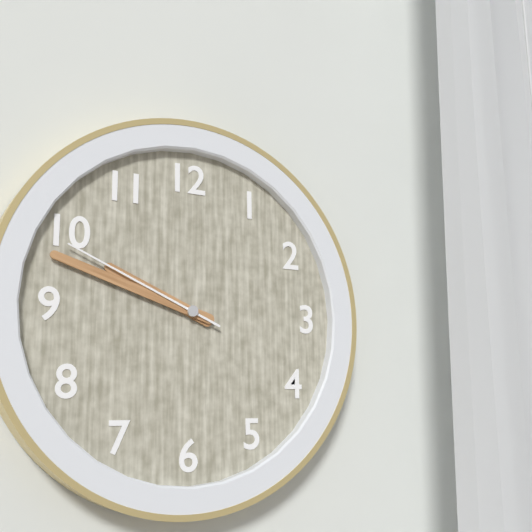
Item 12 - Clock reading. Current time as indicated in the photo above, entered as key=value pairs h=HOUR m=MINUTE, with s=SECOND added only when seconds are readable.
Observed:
h=9 m=48 s=49
